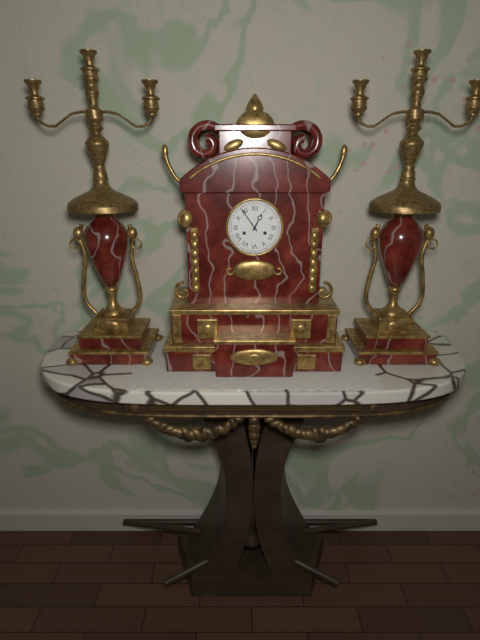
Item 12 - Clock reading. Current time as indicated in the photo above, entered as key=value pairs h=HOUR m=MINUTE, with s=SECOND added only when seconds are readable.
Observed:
h=12 m=54
